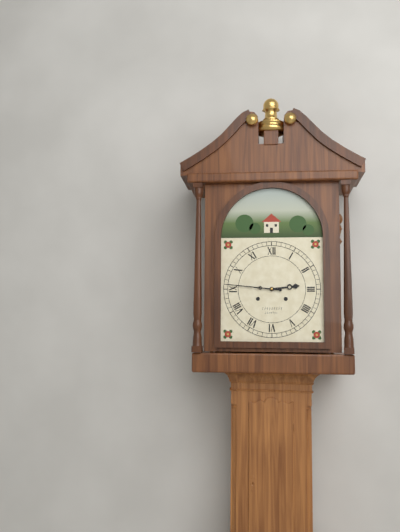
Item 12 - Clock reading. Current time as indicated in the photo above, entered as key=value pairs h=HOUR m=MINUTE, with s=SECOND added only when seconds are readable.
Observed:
h=2 m=46
